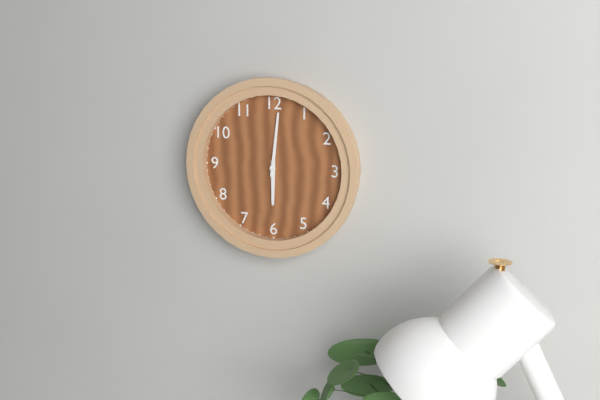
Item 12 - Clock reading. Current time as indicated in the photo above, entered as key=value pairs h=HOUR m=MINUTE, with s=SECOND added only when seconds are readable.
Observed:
h=6 m=1
